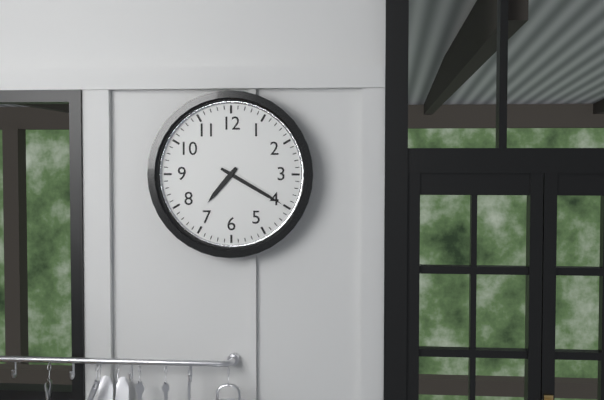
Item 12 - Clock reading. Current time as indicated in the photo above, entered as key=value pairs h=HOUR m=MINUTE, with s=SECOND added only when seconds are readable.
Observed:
h=7 m=20
